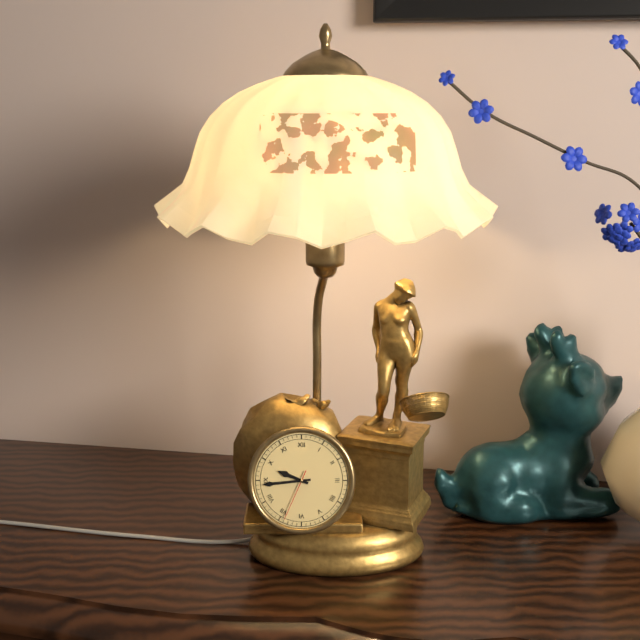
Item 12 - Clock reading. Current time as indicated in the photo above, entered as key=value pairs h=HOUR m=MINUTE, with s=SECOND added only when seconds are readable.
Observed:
h=9 m=44 s=34
